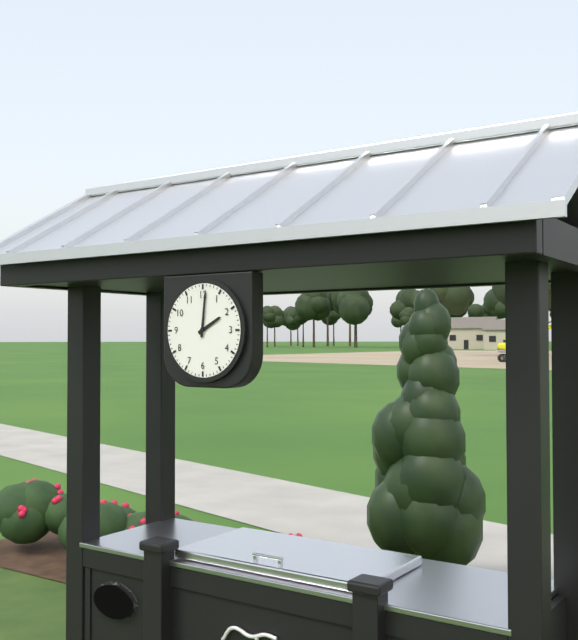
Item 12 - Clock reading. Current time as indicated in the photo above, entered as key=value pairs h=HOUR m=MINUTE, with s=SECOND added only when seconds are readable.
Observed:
h=2 m=1
